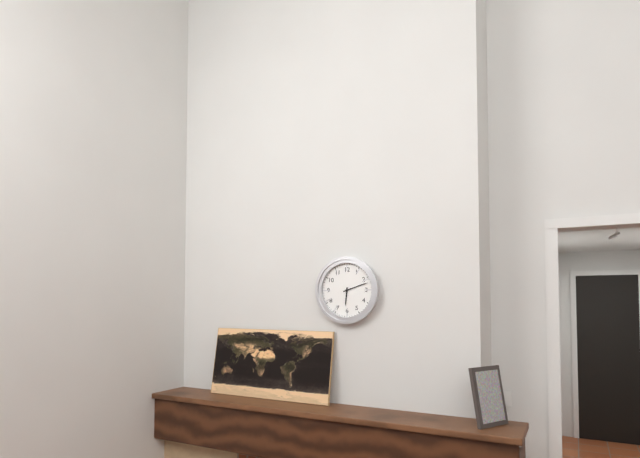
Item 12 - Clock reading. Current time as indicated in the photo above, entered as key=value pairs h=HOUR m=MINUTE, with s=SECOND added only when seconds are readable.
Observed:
h=6 m=12
